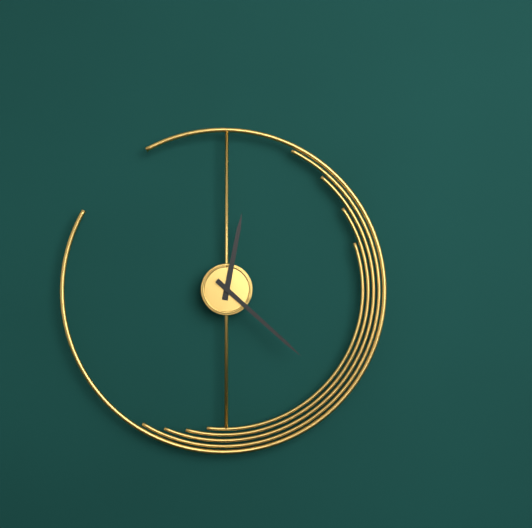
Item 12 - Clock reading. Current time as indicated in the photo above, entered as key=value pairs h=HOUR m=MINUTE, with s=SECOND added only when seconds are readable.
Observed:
h=12 m=22
